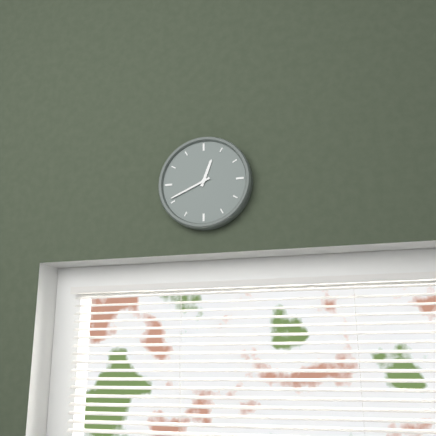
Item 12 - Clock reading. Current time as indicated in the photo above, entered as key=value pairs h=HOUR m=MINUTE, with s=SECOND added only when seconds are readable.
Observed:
h=12 m=41
